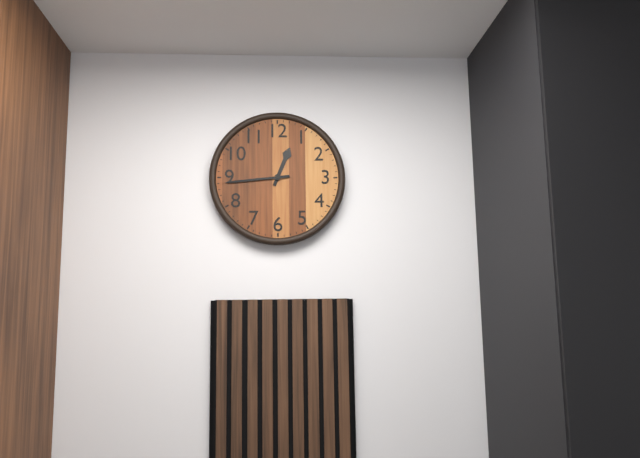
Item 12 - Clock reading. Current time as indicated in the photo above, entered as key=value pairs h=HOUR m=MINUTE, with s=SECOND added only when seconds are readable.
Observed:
h=12 m=44
